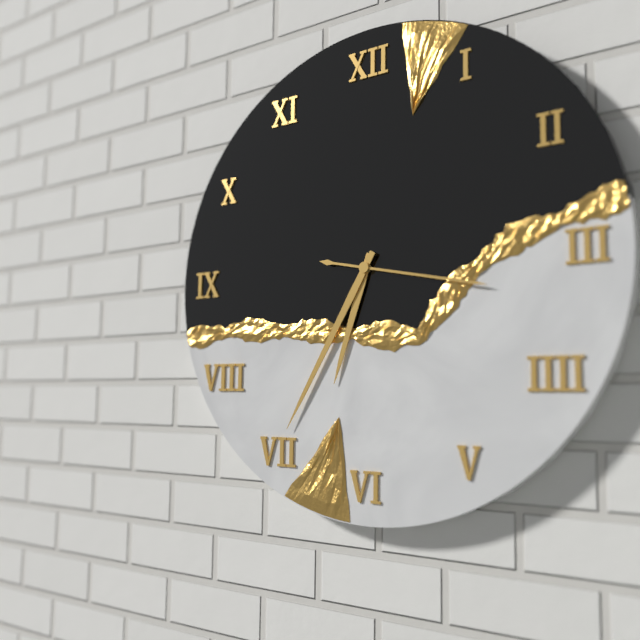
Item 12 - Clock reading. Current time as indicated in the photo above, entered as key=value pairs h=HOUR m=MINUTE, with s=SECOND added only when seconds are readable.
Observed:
h=6 m=35 s=17
